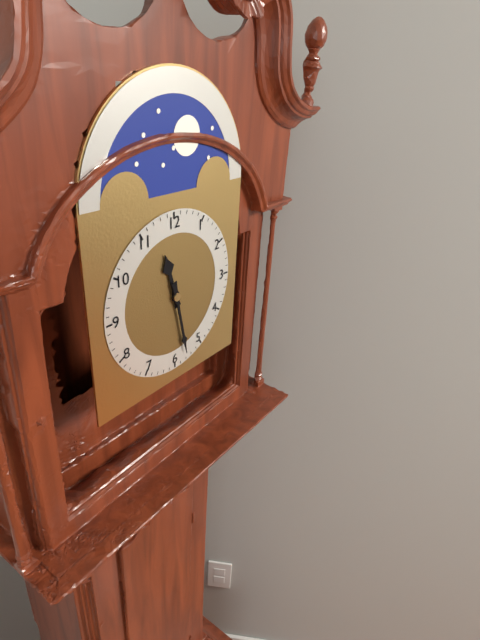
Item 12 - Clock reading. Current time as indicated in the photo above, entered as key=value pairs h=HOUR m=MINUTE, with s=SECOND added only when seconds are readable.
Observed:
h=11 m=28
